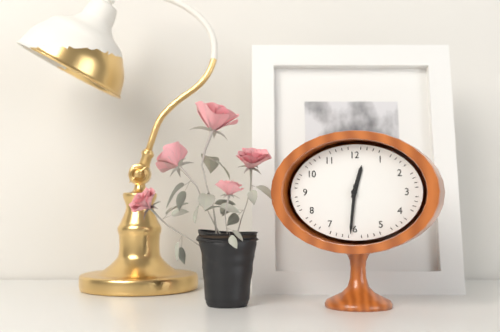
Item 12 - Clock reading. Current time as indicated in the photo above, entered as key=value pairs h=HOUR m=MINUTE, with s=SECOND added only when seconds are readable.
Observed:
h=12 m=31
